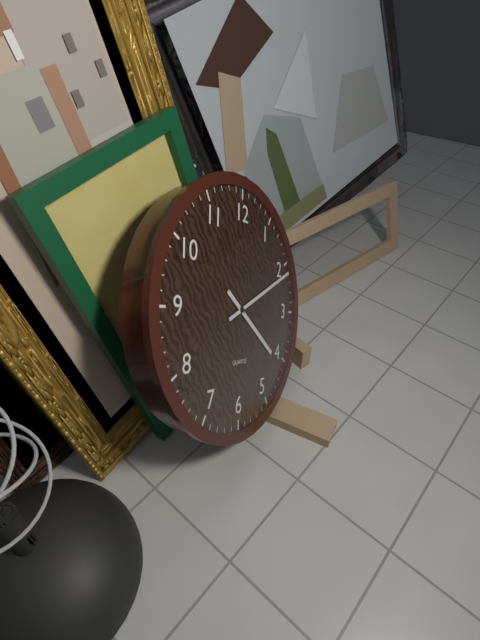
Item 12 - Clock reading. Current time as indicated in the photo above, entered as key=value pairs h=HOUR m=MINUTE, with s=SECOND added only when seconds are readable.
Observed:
h=4 m=11
